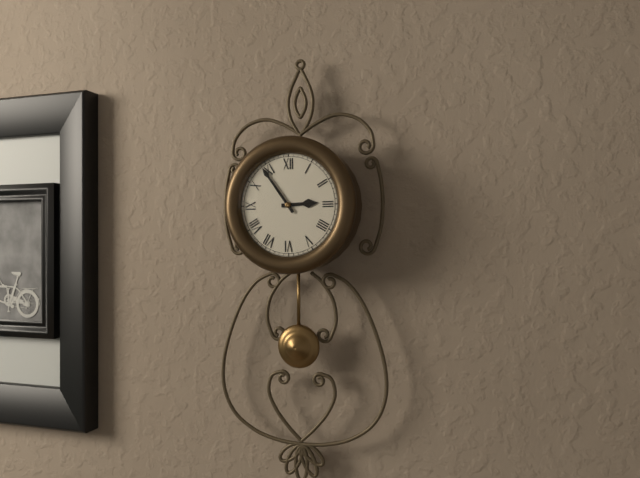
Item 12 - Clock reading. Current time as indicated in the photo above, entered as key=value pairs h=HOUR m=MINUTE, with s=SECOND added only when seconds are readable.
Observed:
h=2 m=54
